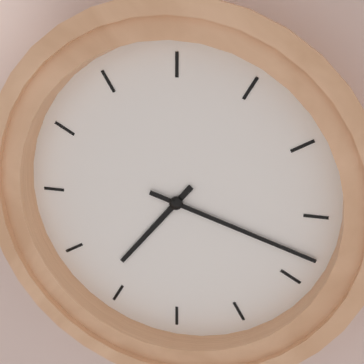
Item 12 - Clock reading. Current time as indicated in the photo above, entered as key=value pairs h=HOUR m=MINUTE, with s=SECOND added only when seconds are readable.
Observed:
h=7 m=18
